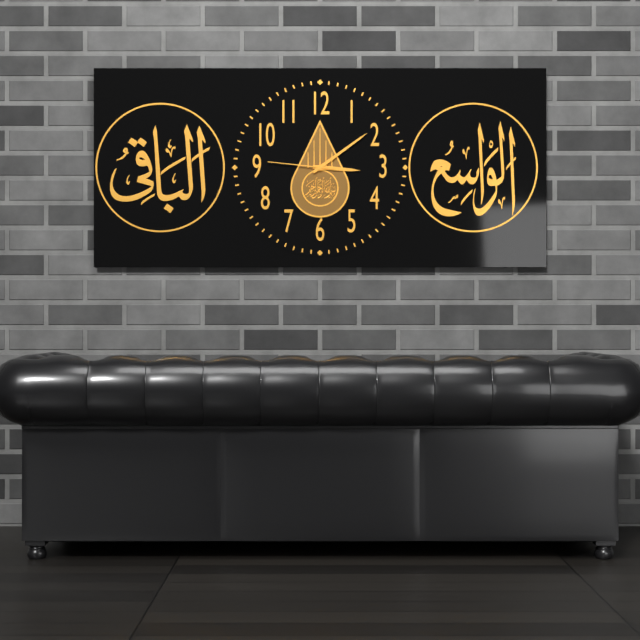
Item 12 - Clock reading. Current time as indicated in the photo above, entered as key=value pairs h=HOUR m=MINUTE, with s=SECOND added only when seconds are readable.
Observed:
h=3 m=9 s=46
